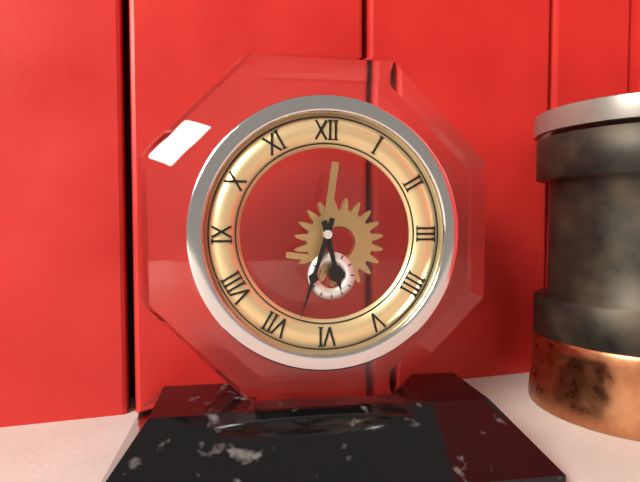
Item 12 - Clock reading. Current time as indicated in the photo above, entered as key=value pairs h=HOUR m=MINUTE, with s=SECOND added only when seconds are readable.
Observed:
h=5 m=33
